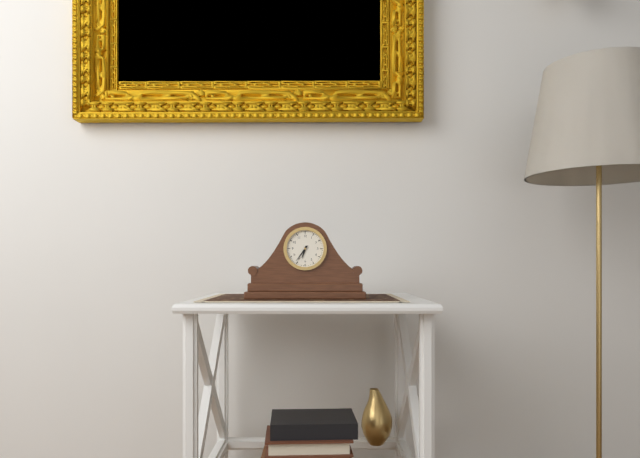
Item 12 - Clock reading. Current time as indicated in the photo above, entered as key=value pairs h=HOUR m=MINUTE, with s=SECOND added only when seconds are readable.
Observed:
h=6 m=36
